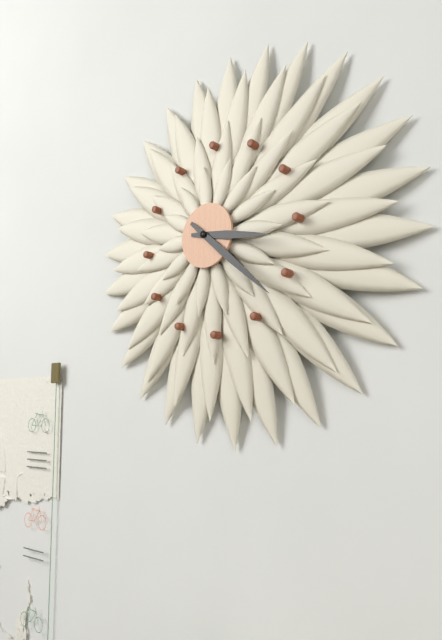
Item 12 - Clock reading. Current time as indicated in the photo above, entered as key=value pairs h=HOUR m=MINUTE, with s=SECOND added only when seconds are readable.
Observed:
h=3 m=22
